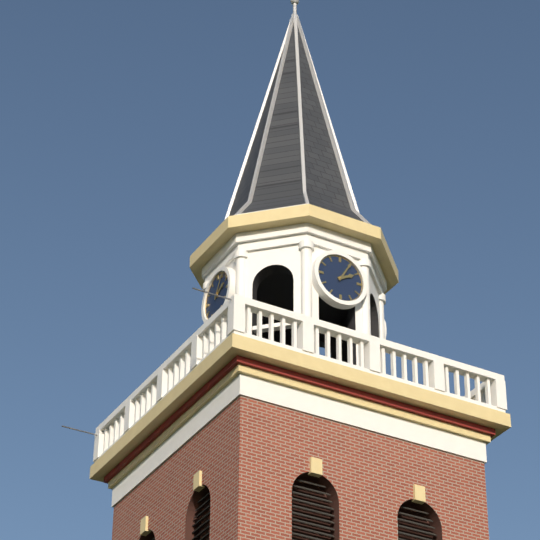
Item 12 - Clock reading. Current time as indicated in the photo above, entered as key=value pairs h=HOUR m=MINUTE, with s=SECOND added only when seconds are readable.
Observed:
h=2 m=5
